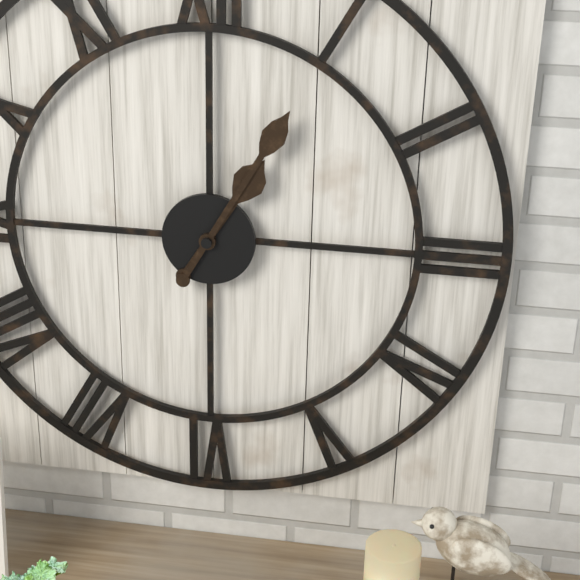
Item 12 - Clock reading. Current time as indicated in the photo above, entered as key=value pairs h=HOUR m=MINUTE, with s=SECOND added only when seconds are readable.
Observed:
h=1 m=5
